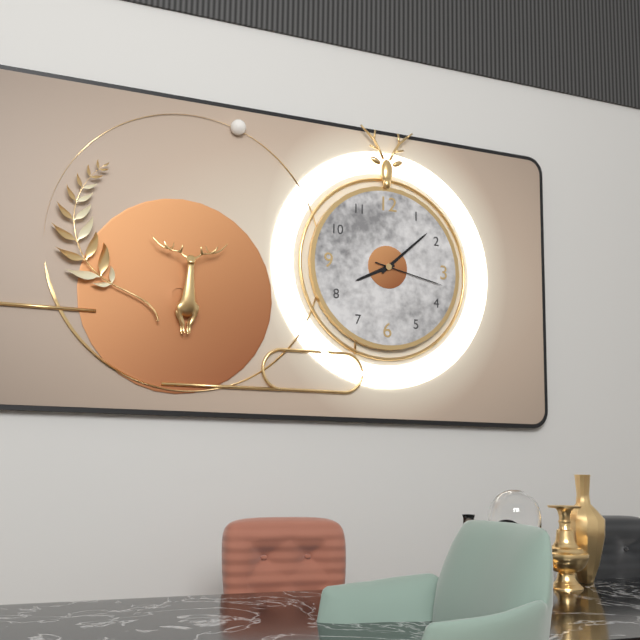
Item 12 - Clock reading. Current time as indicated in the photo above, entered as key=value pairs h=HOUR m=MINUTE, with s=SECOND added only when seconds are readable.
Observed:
h=8 m=8 s=17
